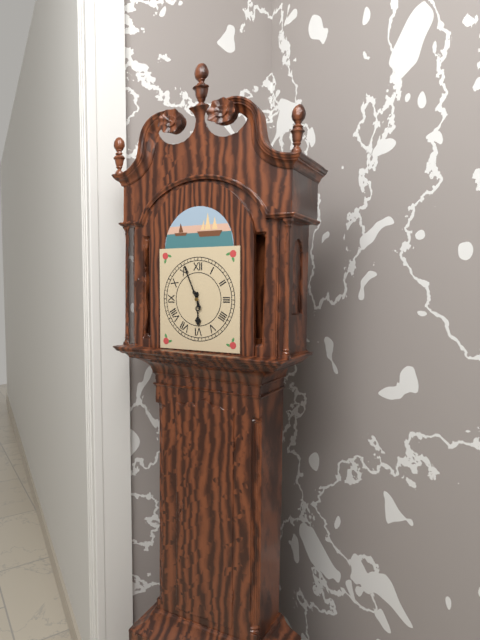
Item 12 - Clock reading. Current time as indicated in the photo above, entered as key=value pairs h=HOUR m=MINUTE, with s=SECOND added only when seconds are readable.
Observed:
h=5 m=56
